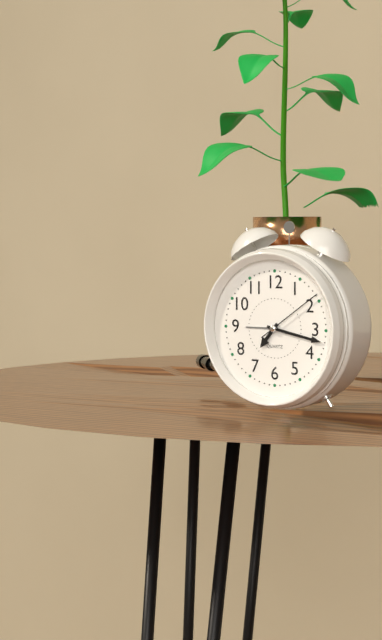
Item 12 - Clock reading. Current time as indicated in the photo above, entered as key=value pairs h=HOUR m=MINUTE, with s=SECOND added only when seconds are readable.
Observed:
h=7 m=17 s=9
